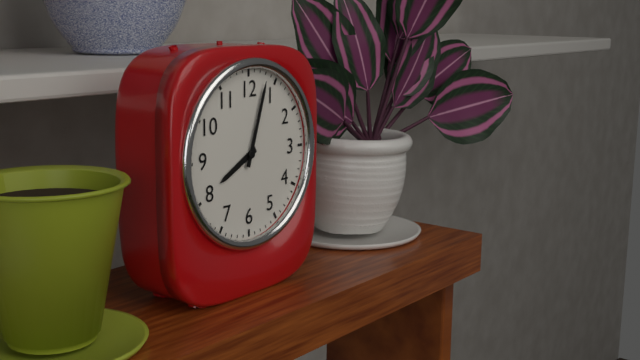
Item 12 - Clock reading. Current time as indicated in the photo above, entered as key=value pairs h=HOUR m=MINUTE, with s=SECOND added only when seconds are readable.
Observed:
h=8 m=3
